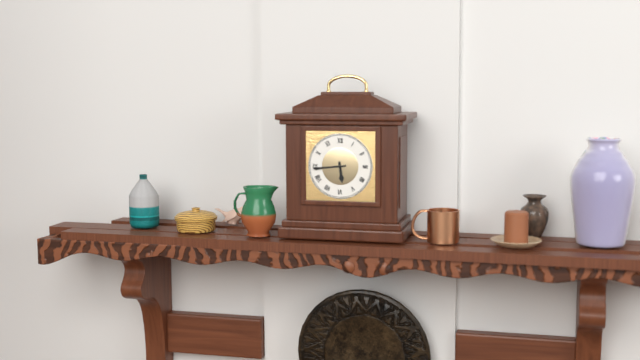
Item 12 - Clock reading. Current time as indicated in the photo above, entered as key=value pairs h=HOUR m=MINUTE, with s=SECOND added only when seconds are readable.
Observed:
h=5 m=44
